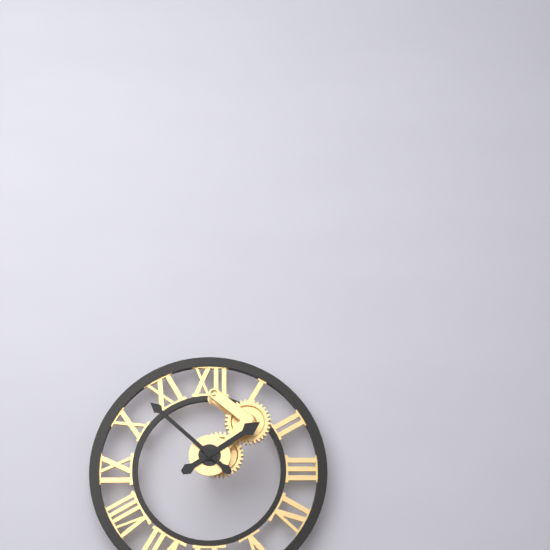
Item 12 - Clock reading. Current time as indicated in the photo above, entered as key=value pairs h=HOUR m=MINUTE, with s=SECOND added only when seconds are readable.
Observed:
h=1 m=52
